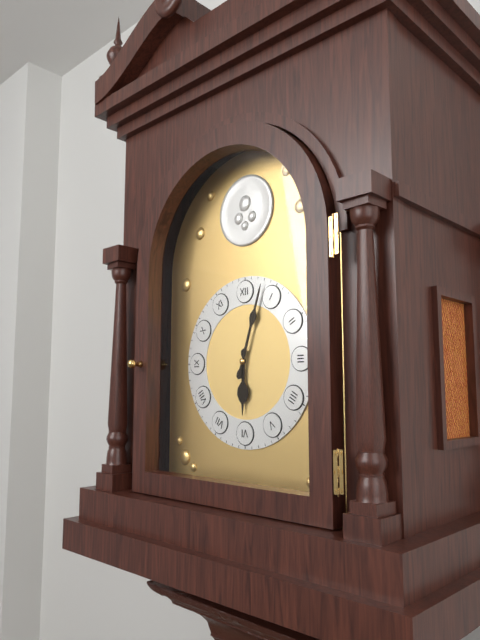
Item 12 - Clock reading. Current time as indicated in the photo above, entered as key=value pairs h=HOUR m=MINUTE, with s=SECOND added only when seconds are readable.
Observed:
h=6 m=3
